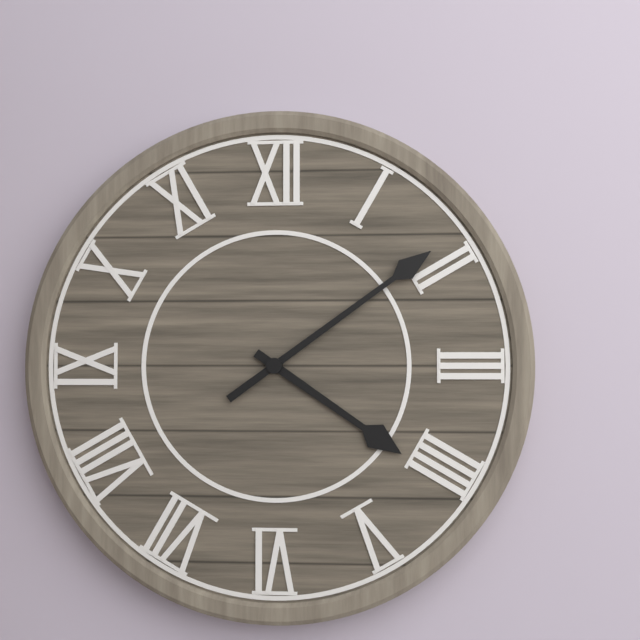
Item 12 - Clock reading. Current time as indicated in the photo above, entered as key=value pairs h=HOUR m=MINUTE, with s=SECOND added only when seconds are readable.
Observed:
h=4 m=9
